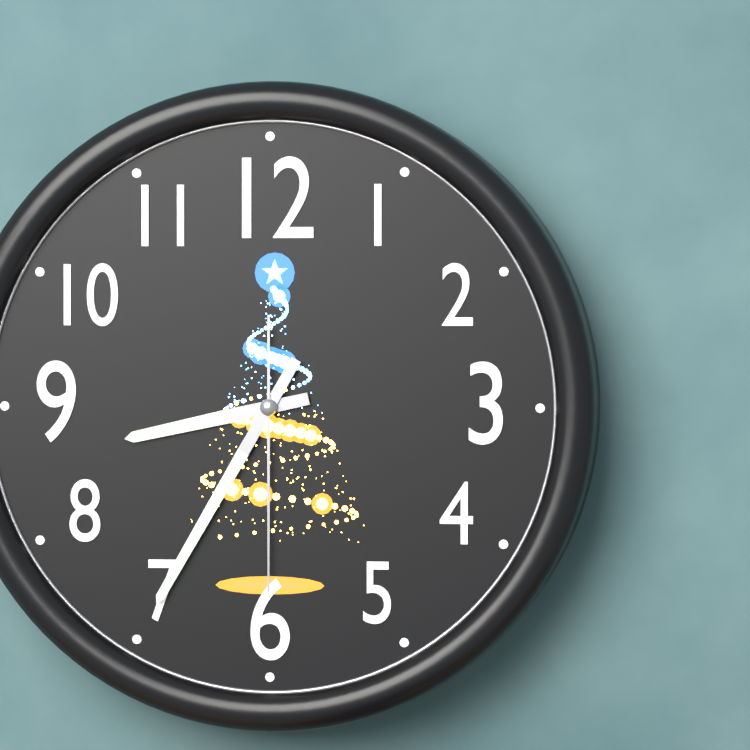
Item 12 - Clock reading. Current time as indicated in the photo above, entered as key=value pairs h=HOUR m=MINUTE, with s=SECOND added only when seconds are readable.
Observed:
h=8 m=35 s=30
